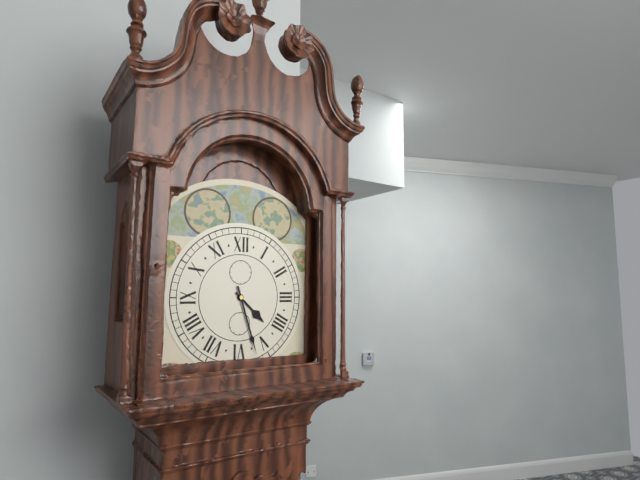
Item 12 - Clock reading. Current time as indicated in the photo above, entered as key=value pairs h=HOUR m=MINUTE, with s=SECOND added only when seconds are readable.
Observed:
h=4 m=27
